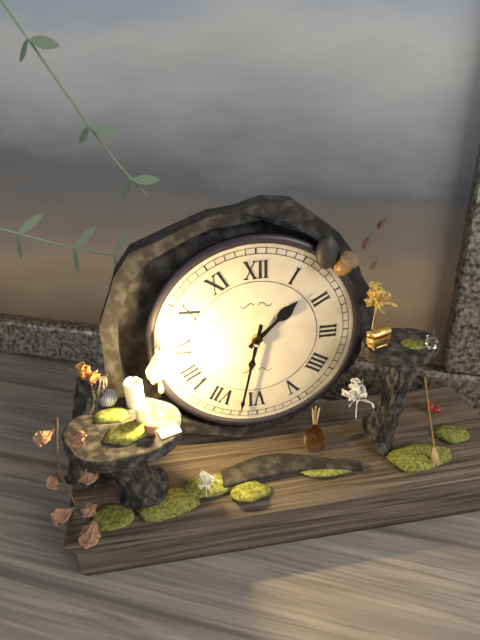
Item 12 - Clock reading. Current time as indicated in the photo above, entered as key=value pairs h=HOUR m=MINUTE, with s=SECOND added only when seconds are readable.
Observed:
h=1 m=32
